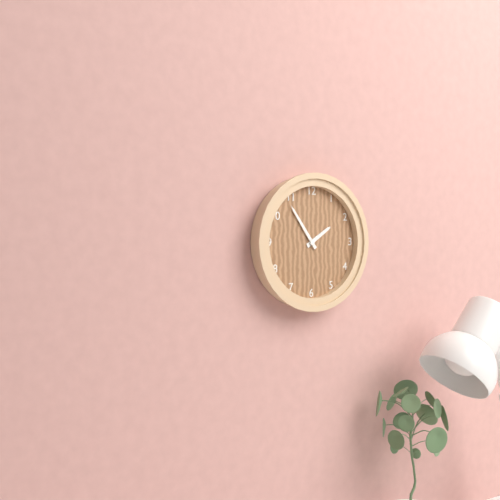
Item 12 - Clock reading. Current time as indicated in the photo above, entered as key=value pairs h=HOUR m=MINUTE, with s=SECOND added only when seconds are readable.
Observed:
h=1 m=54
